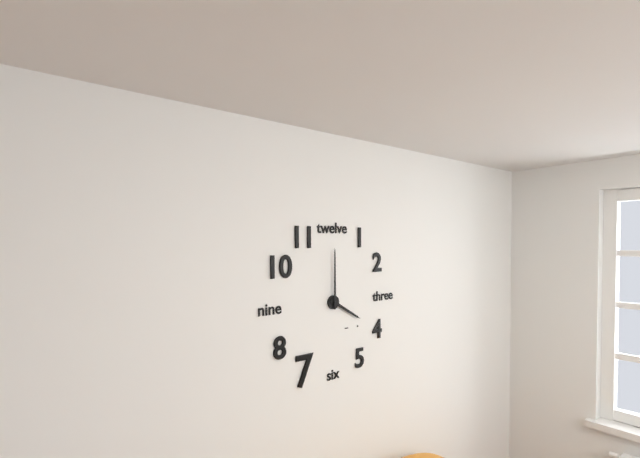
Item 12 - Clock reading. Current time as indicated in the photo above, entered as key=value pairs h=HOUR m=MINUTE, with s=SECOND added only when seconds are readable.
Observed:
h=4 m=0
